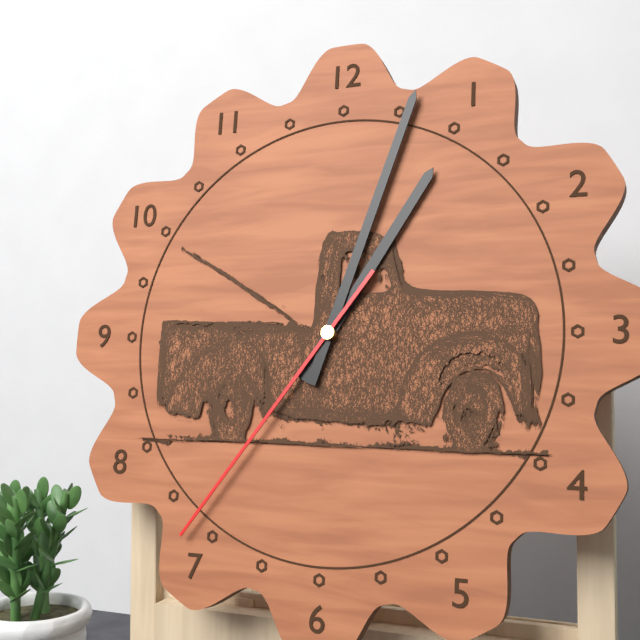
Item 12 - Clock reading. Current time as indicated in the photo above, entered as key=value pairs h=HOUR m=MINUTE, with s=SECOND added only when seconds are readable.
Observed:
h=1 m=3 s=36
